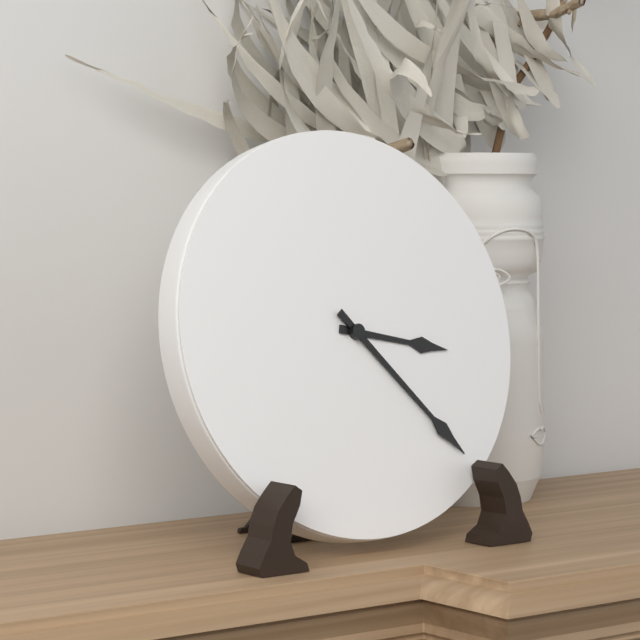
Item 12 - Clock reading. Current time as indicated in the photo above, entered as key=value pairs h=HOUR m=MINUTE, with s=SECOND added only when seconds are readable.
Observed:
h=3 m=23
